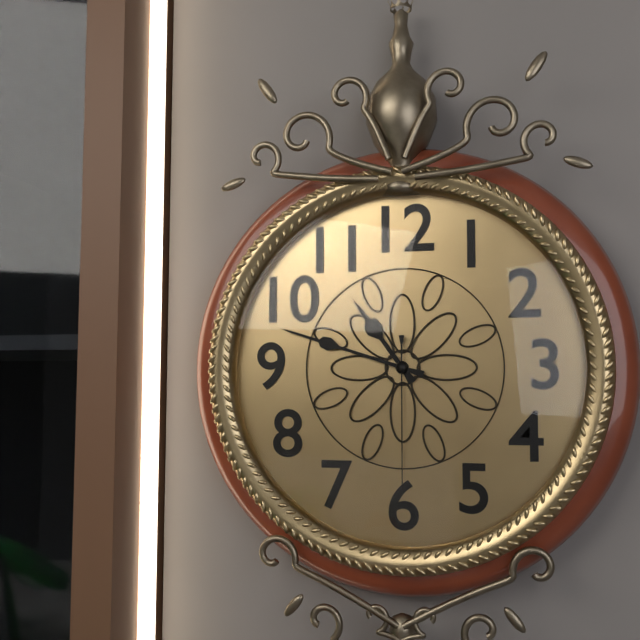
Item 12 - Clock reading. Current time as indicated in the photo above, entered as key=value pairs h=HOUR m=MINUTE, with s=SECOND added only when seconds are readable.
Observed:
h=10 m=48 s=30
